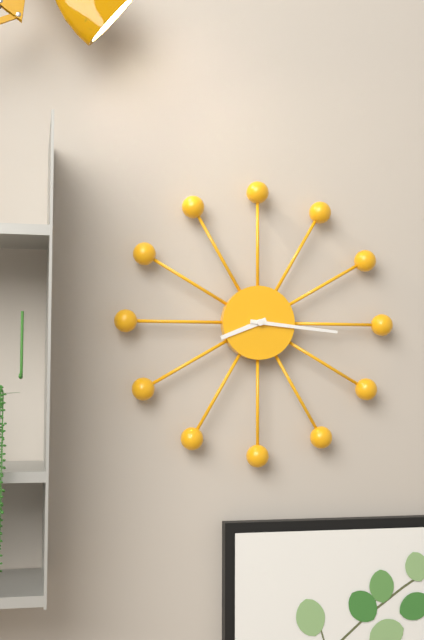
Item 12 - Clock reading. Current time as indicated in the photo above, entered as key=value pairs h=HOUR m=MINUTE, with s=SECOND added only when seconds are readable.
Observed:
h=8 m=16
